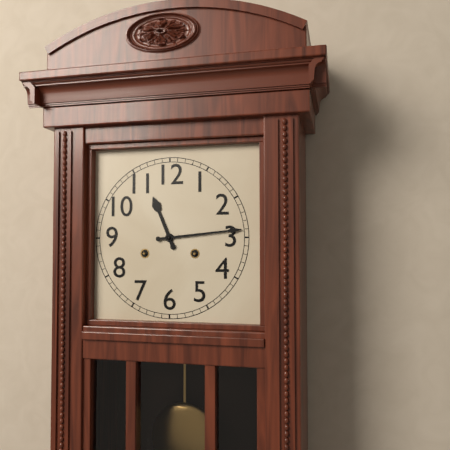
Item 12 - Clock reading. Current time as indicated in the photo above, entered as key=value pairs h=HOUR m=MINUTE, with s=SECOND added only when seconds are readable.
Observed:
h=11 m=14
